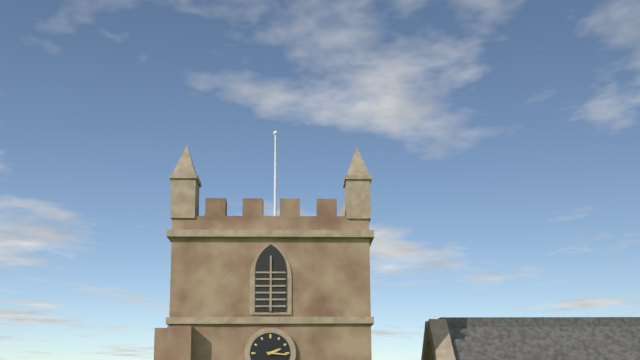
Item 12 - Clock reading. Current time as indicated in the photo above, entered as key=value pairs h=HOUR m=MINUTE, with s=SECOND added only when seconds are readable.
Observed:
h=2 m=16
